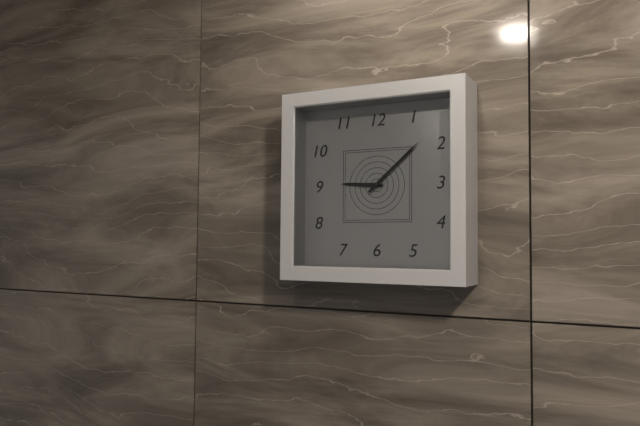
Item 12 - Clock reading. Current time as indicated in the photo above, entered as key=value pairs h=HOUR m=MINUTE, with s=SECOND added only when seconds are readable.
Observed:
h=9 m=8
